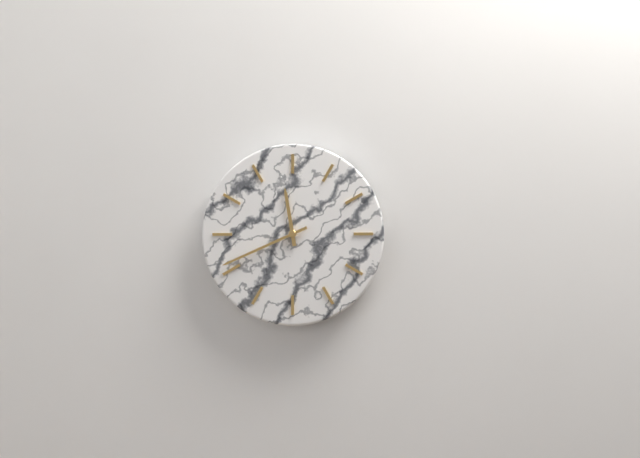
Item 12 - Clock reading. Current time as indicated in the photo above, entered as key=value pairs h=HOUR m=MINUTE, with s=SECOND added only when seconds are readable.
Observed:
h=11 m=41
